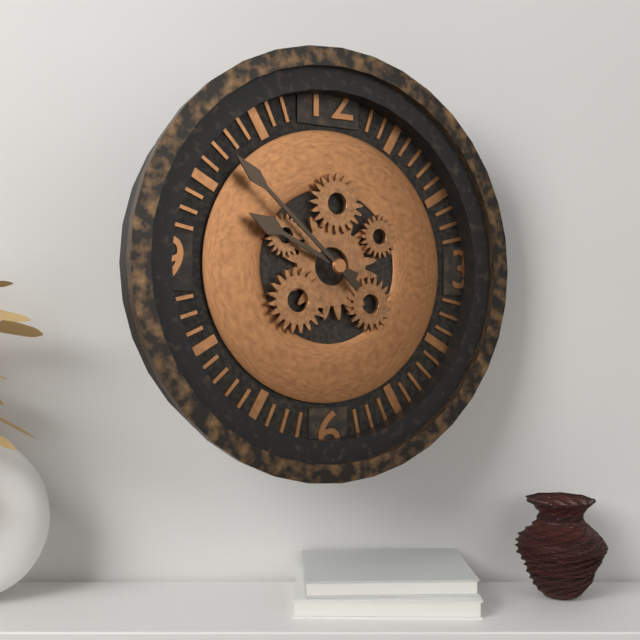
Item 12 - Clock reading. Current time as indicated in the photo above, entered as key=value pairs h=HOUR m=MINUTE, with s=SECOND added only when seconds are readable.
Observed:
h=9 m=52
